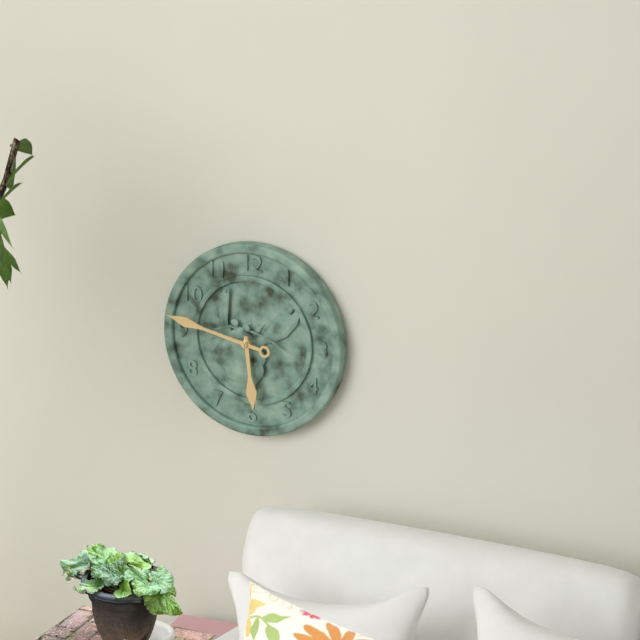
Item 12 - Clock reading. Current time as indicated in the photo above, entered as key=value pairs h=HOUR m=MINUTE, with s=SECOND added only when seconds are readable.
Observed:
h=5 m=47
